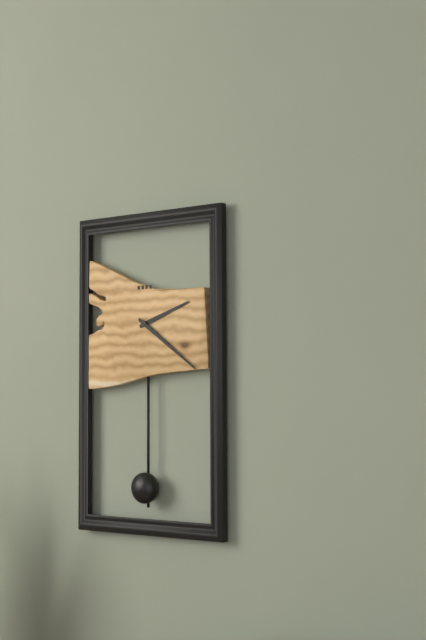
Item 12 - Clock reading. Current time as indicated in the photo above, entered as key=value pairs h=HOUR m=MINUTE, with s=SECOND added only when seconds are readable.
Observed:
h=2 m=21
